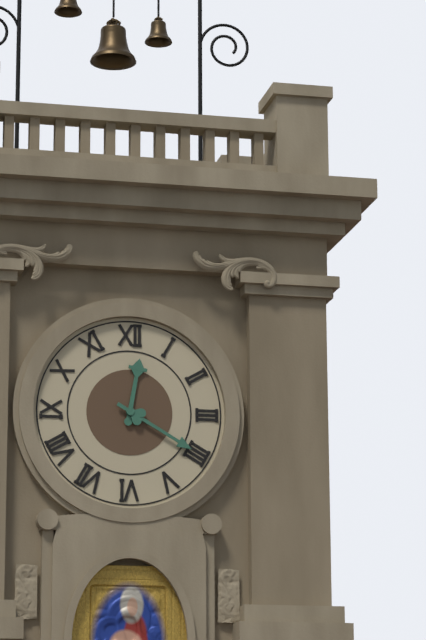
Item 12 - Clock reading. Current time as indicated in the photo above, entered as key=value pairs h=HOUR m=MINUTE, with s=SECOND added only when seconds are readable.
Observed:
h=12 m=20
